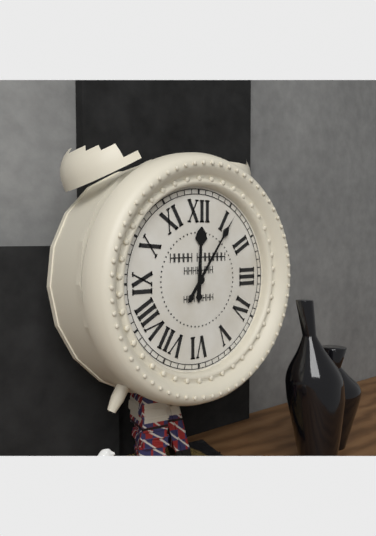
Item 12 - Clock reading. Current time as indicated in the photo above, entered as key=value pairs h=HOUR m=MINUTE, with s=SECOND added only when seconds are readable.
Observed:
h=12 m=6
